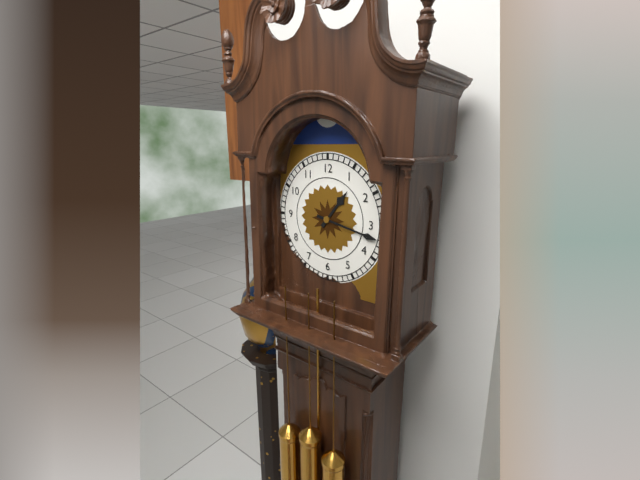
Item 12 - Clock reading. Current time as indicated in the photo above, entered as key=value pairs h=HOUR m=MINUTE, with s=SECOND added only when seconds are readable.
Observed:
h=1 m=17
